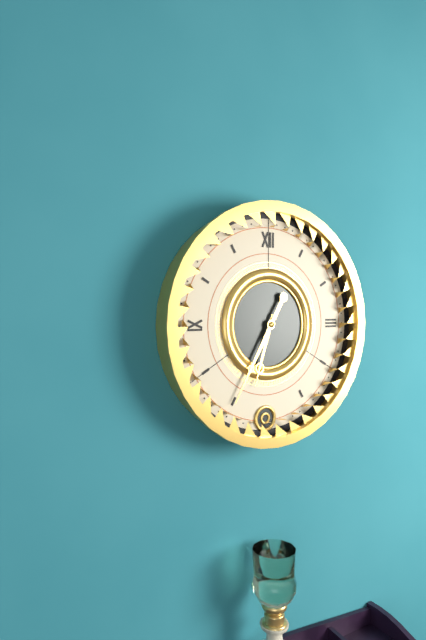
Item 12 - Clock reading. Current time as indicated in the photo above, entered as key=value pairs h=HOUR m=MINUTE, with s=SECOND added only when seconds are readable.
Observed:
h=6 m=35
